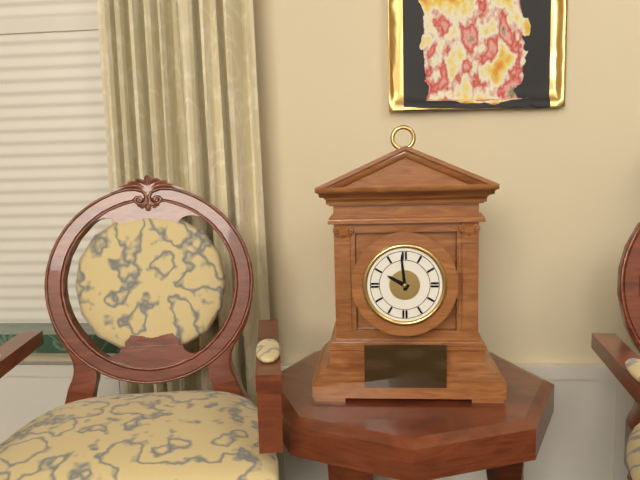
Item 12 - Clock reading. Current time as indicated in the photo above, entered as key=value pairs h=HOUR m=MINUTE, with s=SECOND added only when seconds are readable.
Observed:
h=9 m=59
